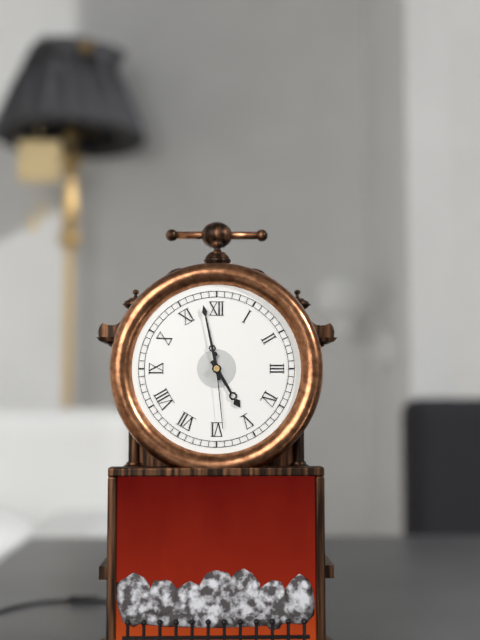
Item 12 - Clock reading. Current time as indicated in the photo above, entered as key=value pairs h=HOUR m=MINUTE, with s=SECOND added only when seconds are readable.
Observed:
h=4 m=58 s=29
